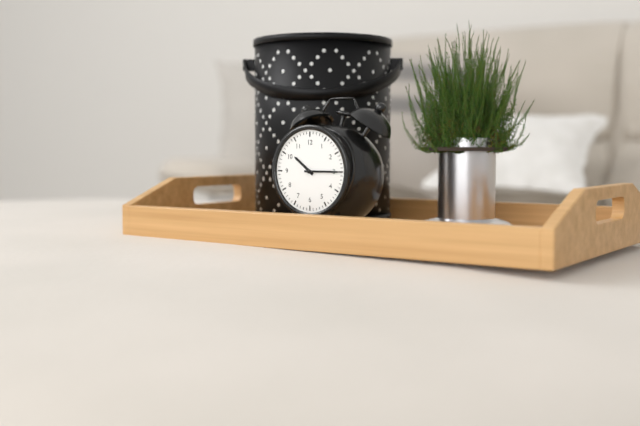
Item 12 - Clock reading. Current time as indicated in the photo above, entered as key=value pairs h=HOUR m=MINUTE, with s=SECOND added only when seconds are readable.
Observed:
h=10 m=15
